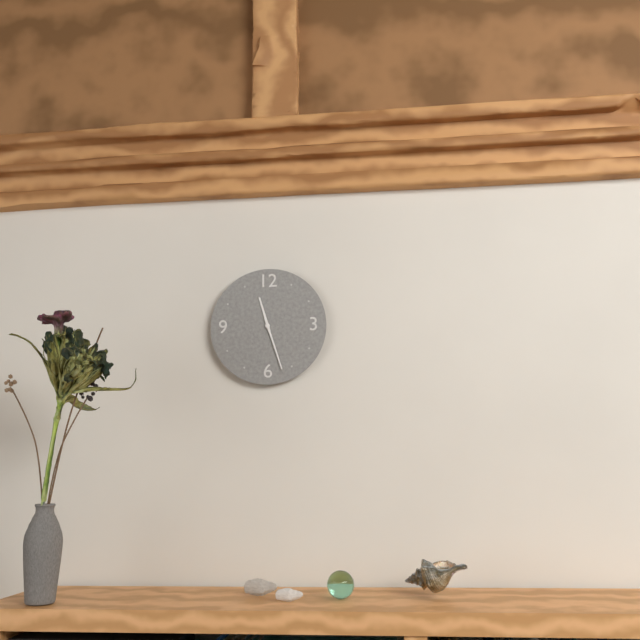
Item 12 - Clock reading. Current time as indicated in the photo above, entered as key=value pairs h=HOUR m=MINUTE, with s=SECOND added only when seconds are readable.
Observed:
h=11 m=27
